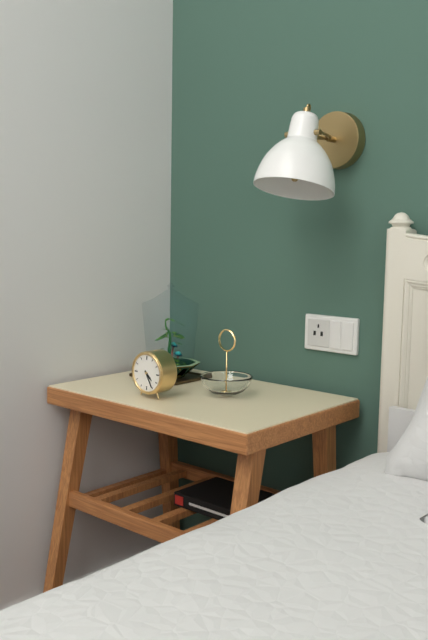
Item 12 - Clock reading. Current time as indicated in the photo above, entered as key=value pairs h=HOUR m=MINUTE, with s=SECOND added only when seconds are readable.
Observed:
h=4 m=25
